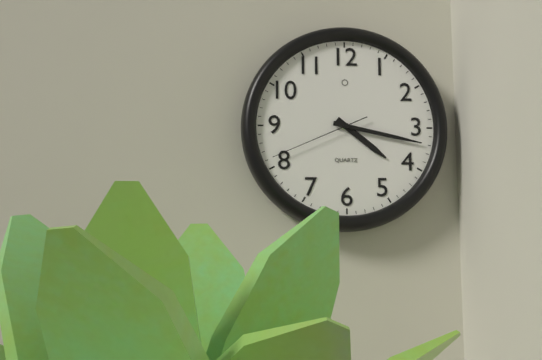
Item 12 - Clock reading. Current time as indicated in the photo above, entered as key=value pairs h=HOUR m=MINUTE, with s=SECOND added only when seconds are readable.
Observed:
h=4 m=17 s=41
